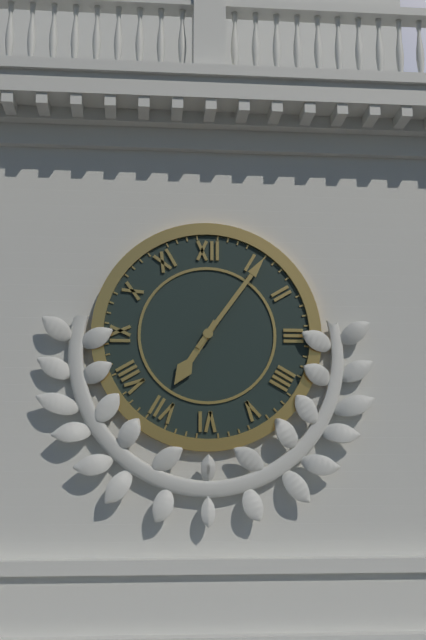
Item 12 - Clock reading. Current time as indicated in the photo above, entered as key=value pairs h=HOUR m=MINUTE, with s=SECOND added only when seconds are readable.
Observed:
h=7 m=6
